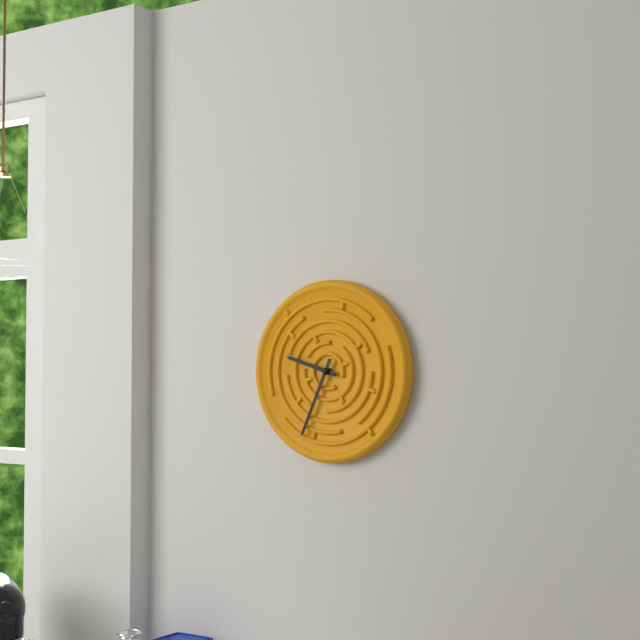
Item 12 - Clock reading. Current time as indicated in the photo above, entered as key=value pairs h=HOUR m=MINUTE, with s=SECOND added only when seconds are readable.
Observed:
h=9 m=34
